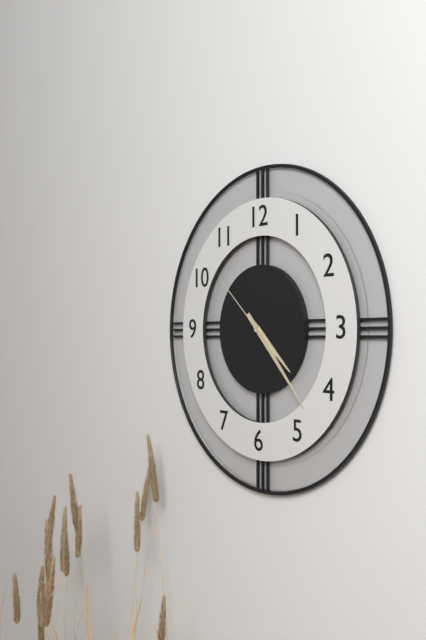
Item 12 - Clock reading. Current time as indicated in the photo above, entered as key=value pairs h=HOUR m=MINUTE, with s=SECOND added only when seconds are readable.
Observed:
h=4 m=23 s=52
